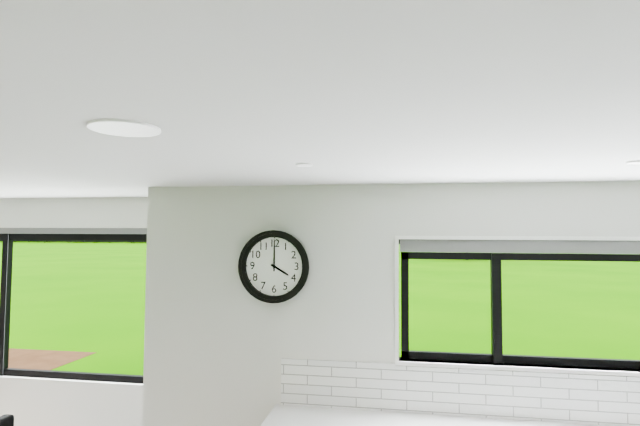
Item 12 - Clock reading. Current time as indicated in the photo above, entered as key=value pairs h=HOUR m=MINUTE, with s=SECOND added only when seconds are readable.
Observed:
h=4 m=0
